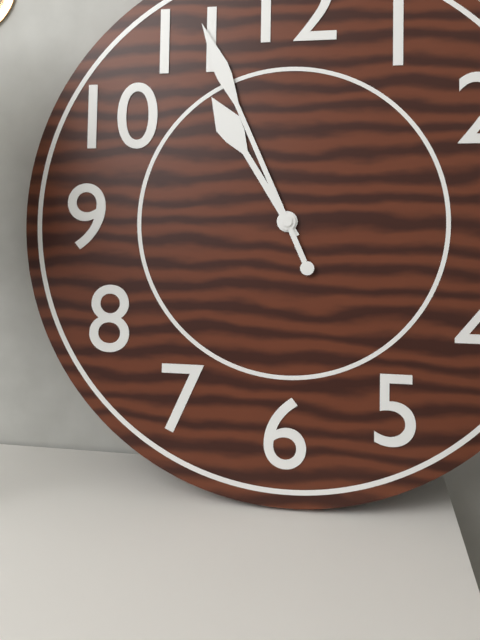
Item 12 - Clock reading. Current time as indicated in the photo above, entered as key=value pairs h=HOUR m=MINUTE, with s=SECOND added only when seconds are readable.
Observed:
h=10 m=56
